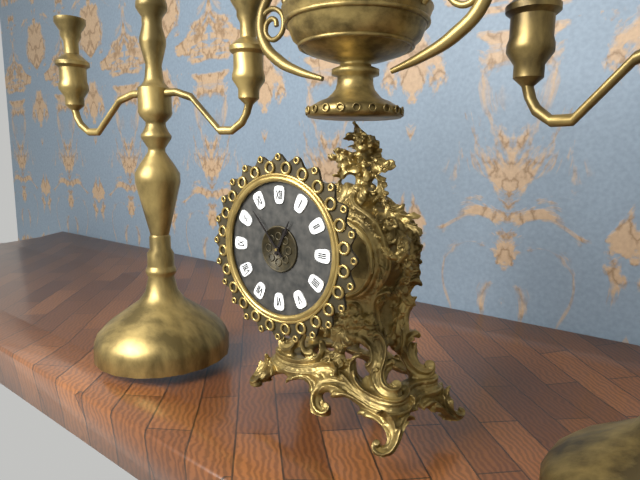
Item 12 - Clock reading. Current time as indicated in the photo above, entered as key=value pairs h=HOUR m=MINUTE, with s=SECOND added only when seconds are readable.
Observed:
h=12 m=53
